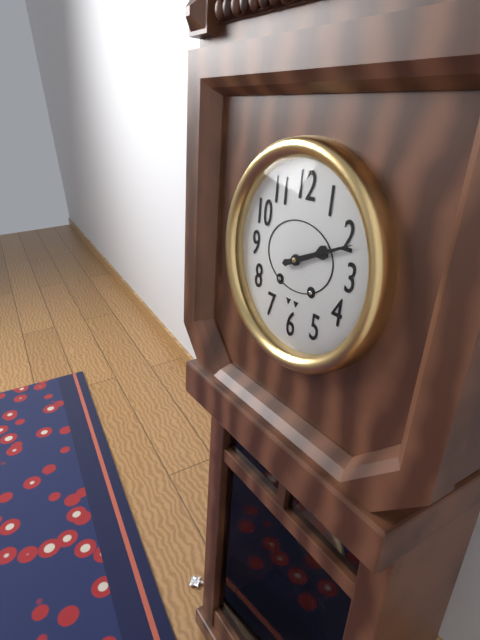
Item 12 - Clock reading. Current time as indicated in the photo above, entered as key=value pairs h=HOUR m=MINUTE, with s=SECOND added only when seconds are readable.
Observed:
h=2 m=11
